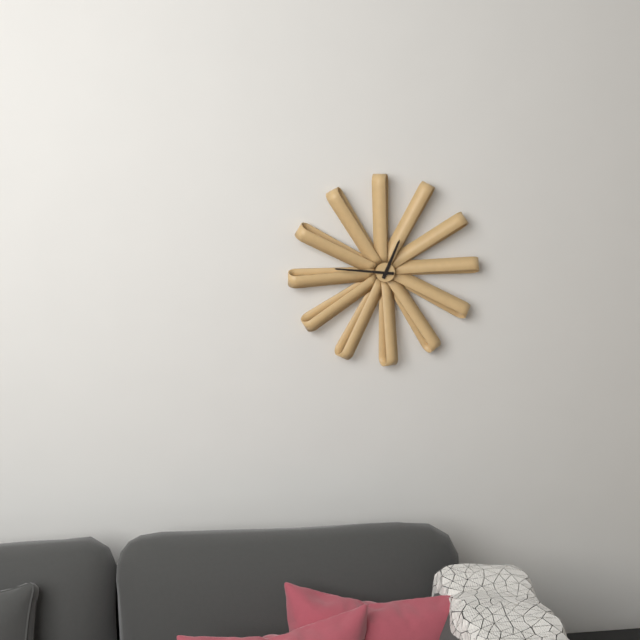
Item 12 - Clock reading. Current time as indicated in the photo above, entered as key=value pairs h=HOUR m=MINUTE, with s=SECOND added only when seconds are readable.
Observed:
h=12 m=46
